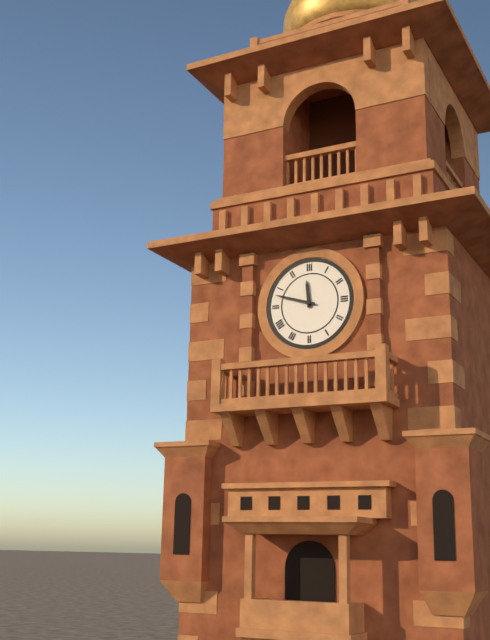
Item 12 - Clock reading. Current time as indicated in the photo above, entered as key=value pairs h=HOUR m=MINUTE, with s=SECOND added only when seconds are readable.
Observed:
h=11 m=48
